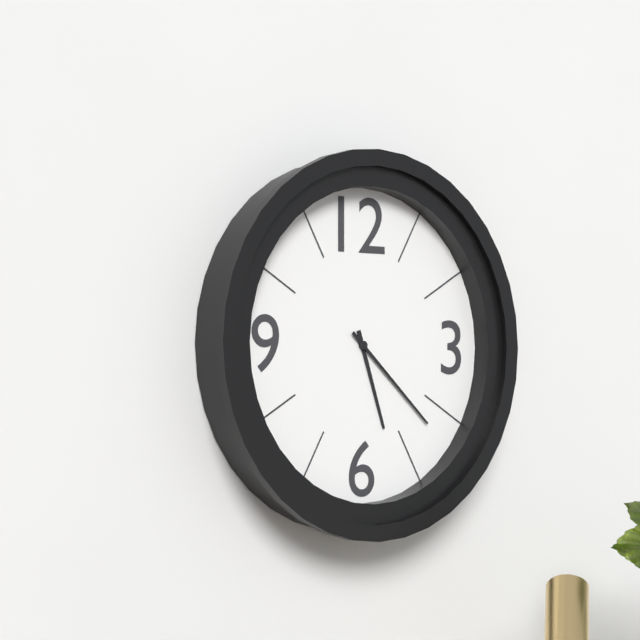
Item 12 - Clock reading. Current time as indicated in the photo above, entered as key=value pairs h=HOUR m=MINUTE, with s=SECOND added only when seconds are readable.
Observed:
h=5 m=22
